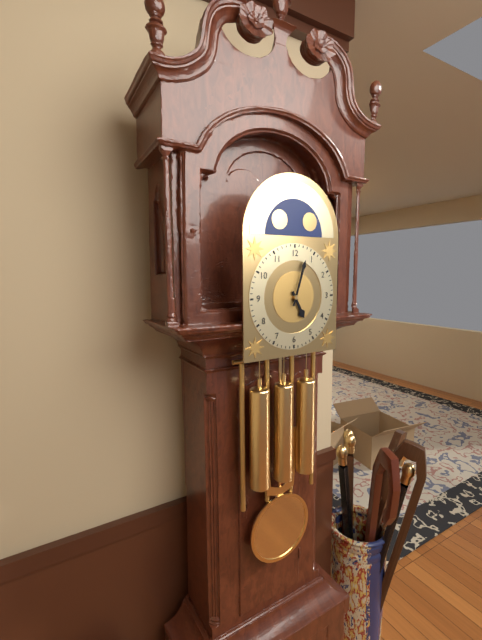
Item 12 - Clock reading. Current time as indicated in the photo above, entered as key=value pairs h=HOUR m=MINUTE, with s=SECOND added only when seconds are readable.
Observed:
h=5 m=3
